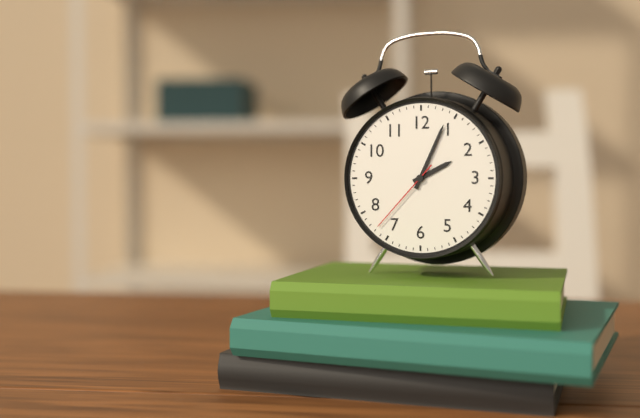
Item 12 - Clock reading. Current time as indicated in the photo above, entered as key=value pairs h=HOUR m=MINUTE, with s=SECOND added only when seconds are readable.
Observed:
h=2 m=4 s=37
